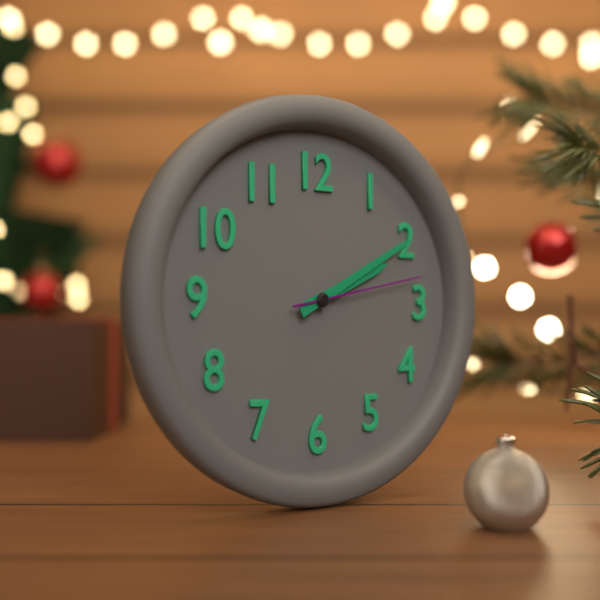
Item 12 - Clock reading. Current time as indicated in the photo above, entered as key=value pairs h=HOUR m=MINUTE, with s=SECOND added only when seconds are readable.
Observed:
h=2 m=10 s=13
